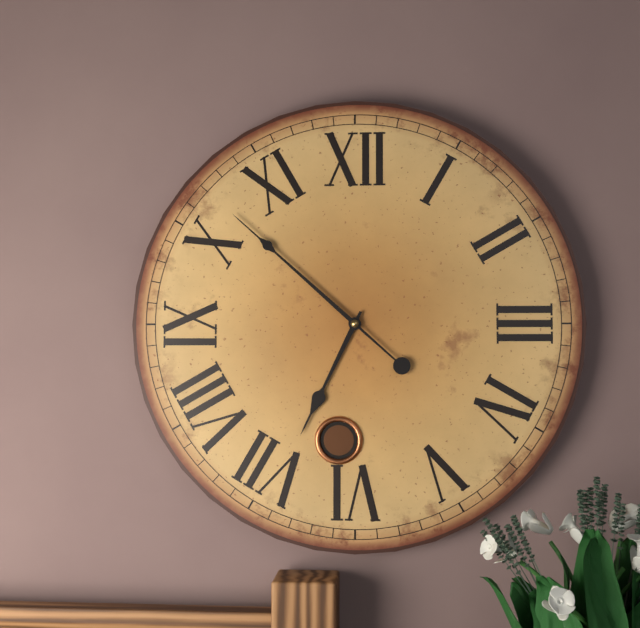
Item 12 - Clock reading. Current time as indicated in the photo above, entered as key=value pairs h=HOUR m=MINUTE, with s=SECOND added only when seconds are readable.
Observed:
h=6 m=52
